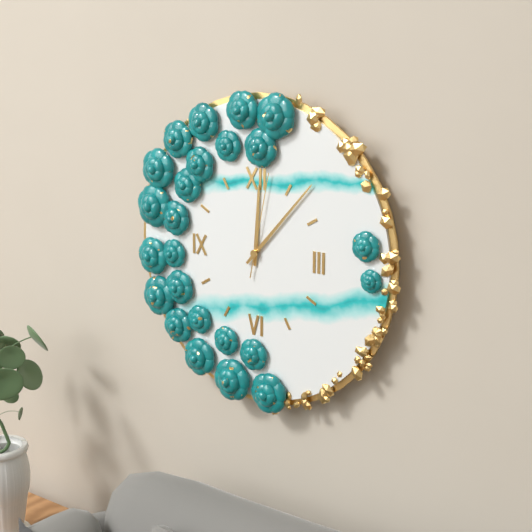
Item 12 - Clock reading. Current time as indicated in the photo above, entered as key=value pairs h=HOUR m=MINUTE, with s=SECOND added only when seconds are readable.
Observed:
h=12 m=7 s=2
